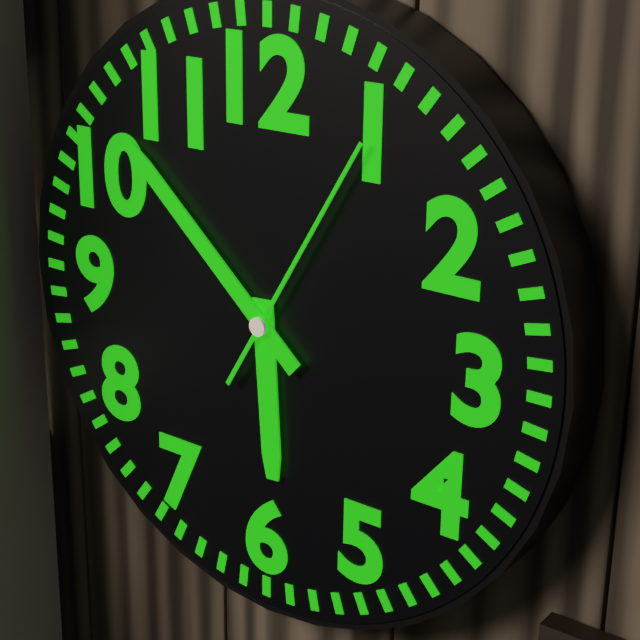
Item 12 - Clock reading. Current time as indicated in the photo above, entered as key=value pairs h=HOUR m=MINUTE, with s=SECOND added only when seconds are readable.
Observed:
h=5 m=52 s=5
